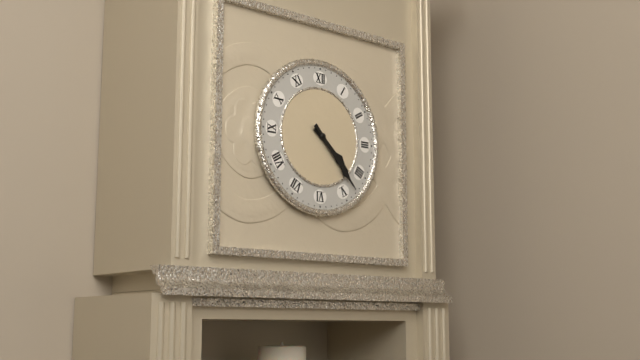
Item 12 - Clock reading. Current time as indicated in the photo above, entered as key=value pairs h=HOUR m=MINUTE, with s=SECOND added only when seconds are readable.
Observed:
h=4 m=23
